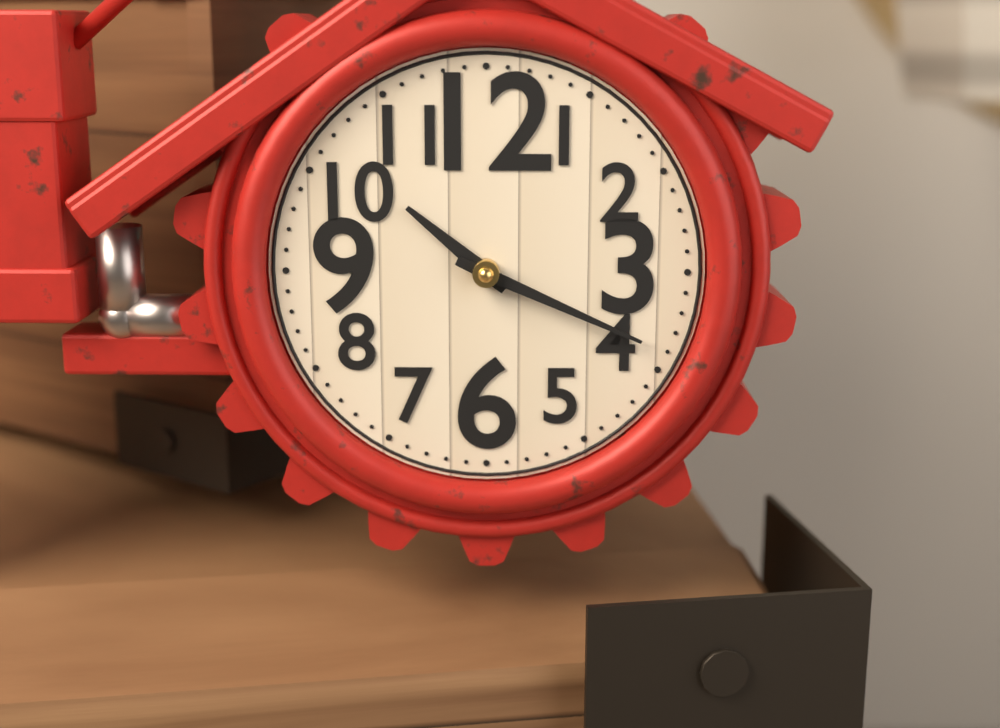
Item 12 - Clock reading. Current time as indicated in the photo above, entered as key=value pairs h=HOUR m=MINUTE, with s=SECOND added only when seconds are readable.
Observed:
h=10 m=19
